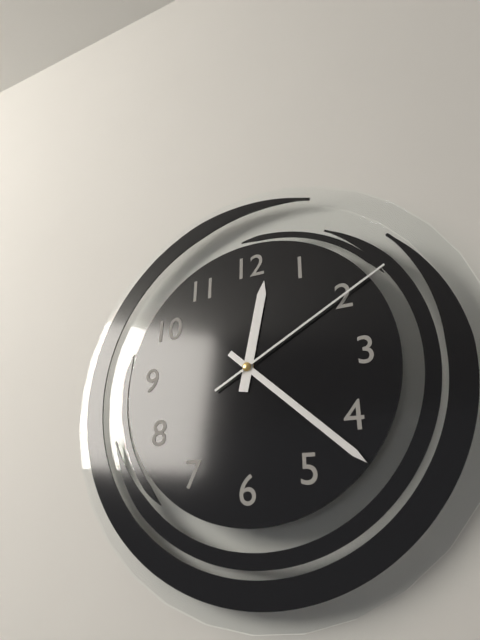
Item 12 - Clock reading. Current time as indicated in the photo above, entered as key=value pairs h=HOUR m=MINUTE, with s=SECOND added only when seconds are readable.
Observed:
h=12 m=22 s=10
